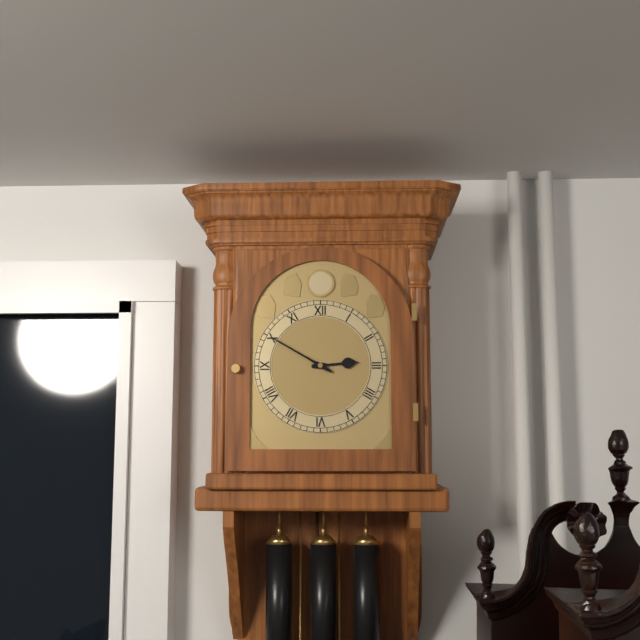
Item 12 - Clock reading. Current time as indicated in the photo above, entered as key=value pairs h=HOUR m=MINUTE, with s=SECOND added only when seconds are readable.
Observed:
h=2 m=50
